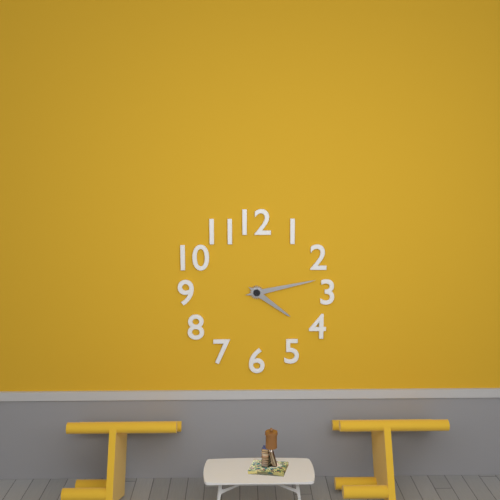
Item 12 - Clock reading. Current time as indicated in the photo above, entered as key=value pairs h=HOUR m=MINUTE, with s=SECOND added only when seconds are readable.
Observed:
h=4 m=13
